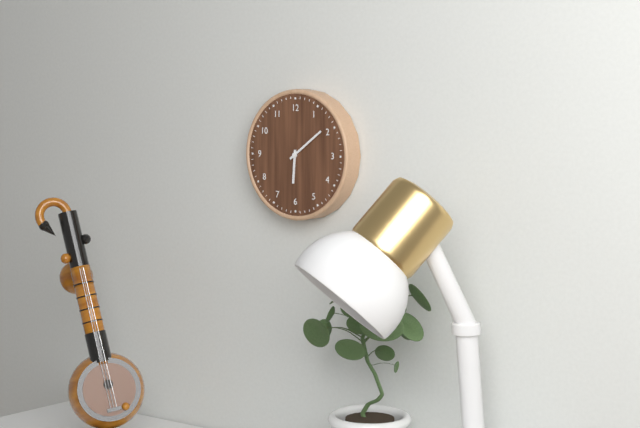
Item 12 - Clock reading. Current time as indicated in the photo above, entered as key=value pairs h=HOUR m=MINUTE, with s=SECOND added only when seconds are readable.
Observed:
h=6 m=9
